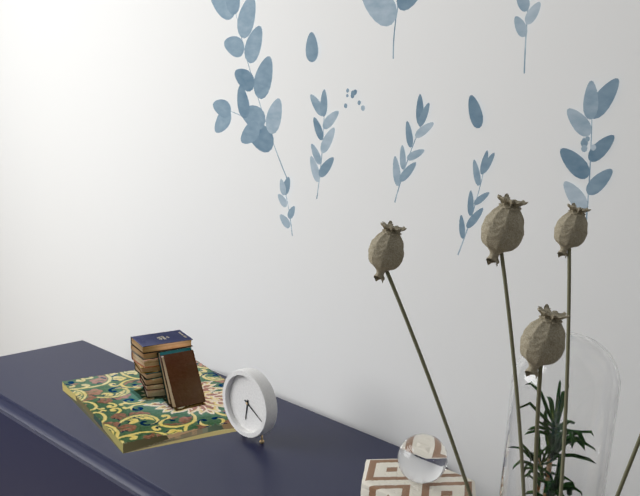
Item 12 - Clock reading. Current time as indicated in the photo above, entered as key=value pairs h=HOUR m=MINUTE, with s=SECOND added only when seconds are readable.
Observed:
h=6 m=20
